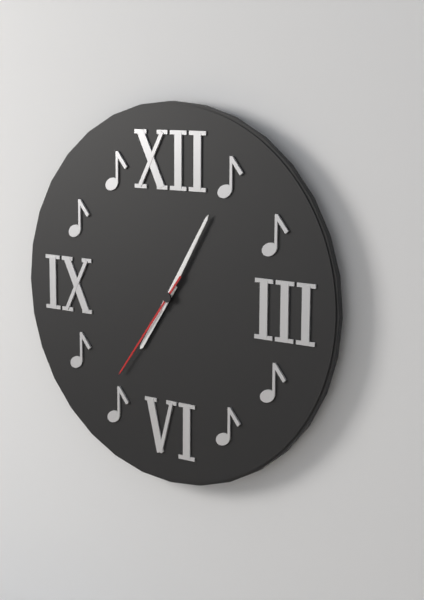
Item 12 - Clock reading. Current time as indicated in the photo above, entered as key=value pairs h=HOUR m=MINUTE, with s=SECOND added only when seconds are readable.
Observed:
h=7 m=5 s=36
